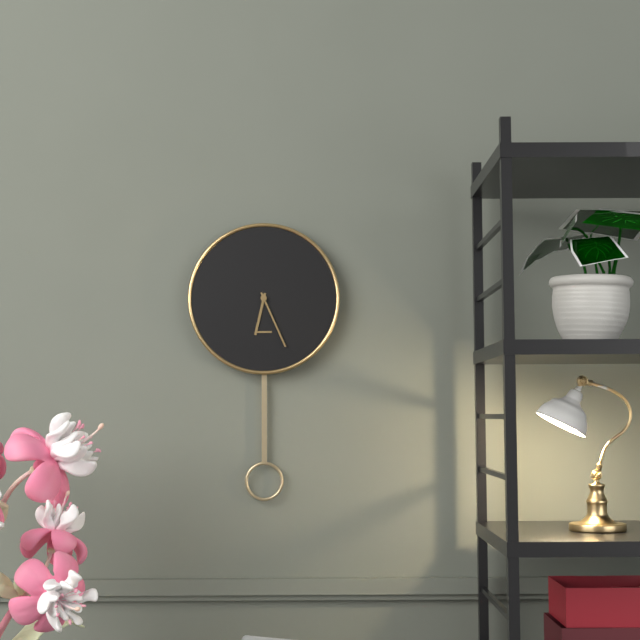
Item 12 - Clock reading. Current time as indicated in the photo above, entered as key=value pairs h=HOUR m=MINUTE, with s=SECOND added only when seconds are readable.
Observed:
h=6 m=26
